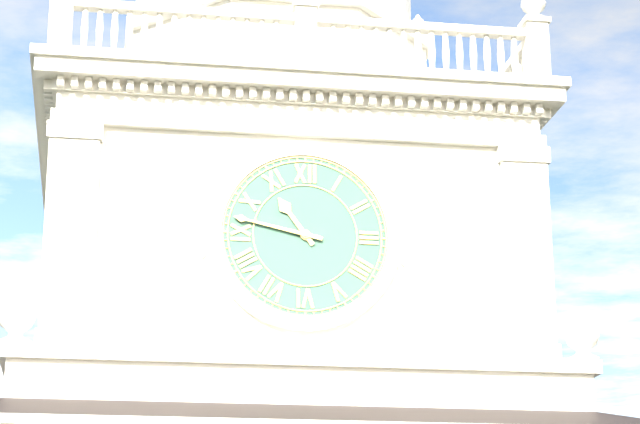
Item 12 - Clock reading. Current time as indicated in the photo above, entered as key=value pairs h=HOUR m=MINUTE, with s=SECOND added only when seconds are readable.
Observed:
h=10 m=47
